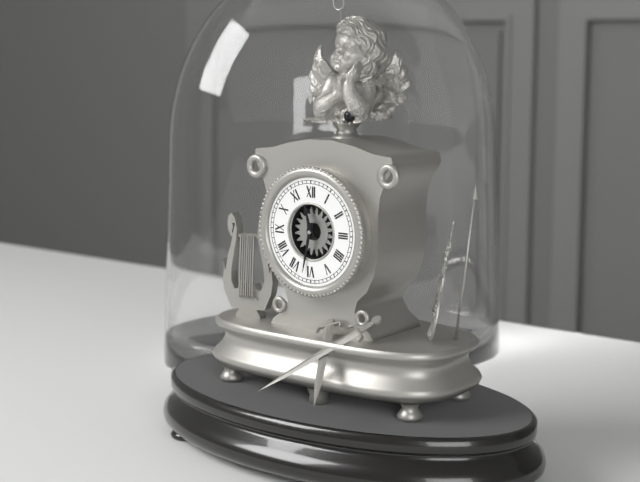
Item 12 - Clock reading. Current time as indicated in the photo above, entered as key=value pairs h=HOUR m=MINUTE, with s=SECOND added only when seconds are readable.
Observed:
h=11 m=32
